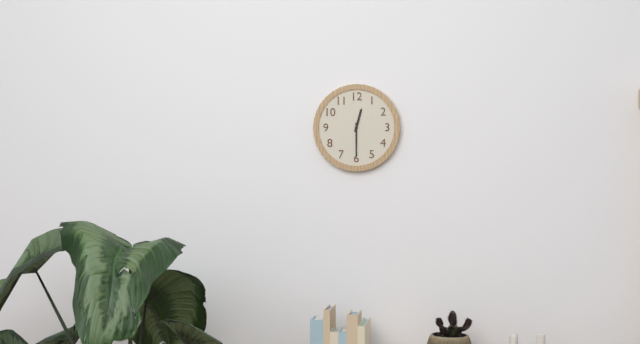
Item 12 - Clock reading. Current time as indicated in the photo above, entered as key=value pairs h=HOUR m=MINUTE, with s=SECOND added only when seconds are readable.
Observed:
h=12 m=30
